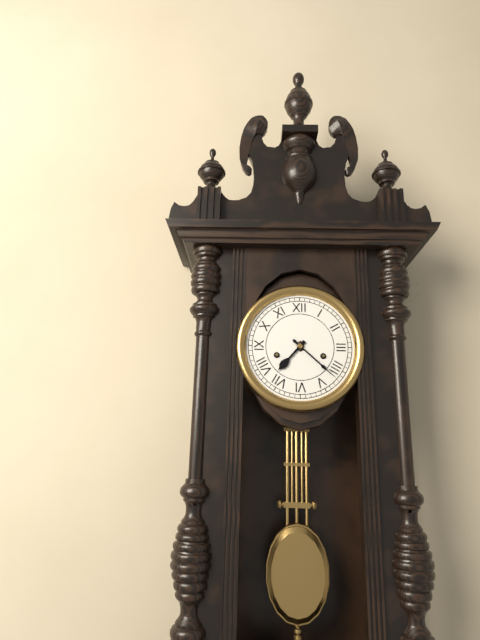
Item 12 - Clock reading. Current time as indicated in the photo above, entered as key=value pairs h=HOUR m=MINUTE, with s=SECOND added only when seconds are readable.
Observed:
h=7 m=22
